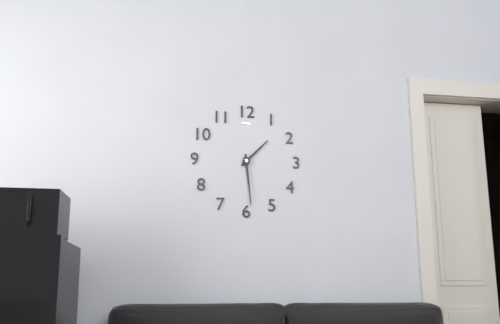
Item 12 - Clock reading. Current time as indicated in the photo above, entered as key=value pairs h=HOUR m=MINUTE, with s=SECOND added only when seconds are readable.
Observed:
h=1 m=29
